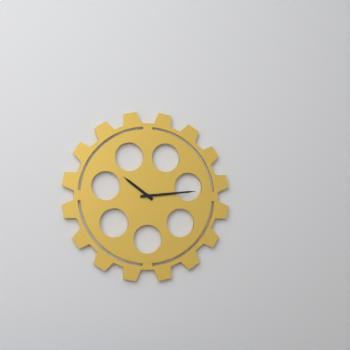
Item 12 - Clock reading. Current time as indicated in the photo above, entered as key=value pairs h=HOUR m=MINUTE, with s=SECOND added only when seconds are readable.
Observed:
h=10 m=14
